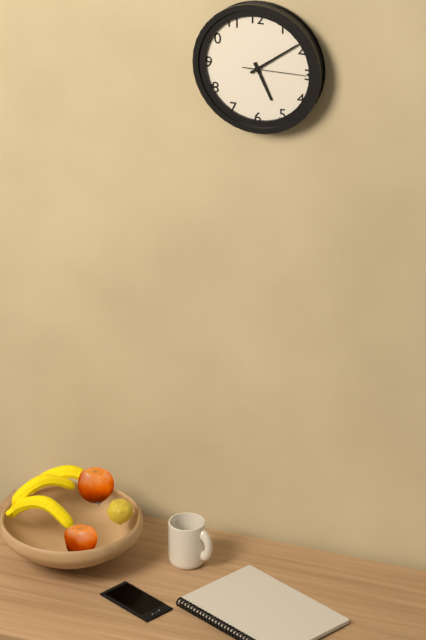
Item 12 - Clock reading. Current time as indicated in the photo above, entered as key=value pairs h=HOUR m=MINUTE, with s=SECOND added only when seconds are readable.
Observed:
h=5 m=9 s=15
